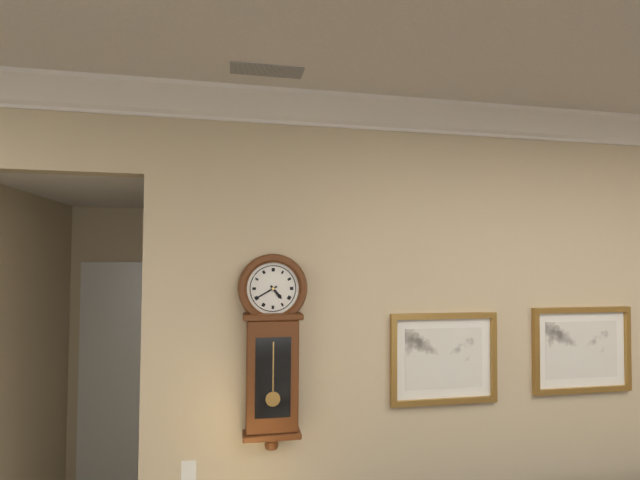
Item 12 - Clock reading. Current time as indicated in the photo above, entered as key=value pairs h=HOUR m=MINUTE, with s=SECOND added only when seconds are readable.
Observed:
h=4 m=40
